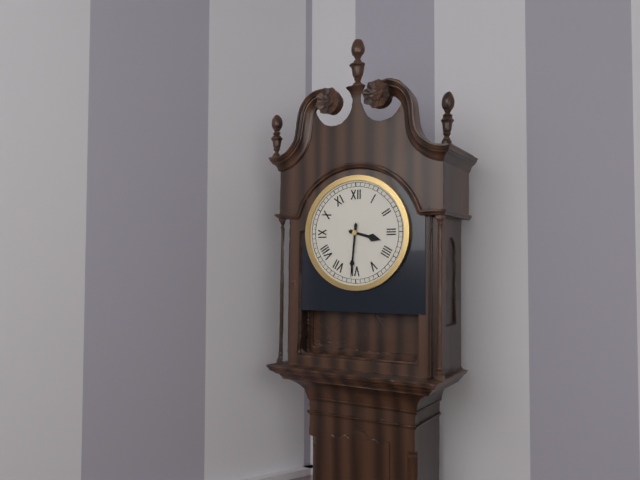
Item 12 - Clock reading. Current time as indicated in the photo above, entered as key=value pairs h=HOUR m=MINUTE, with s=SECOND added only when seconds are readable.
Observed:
h=3 m=31
